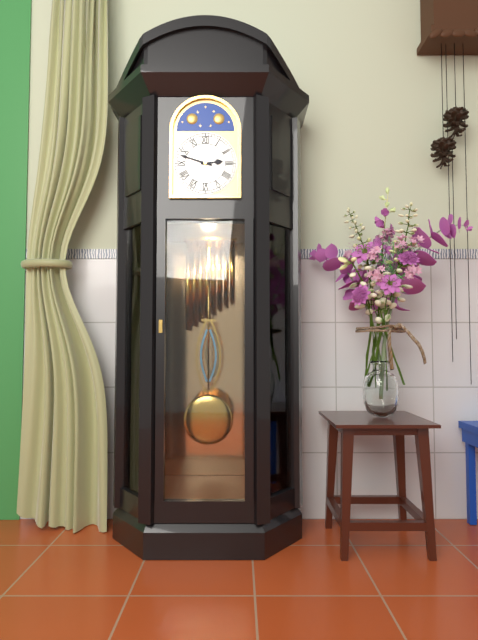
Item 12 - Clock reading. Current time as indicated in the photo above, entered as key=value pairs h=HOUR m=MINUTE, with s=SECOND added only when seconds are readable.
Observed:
h=2 m=48
